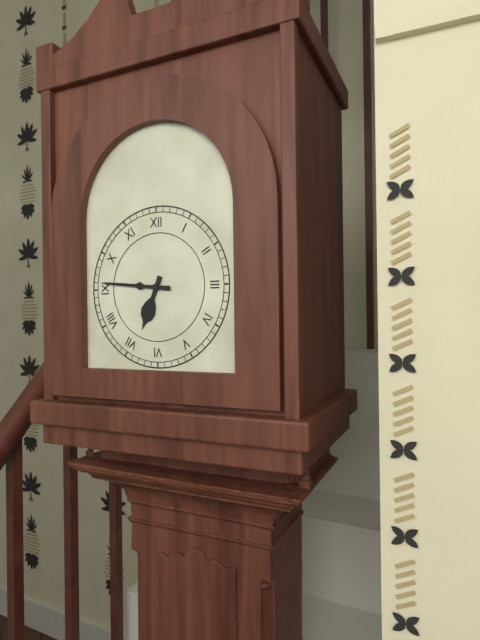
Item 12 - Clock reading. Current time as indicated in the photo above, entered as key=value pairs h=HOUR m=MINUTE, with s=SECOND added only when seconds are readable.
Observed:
h=6 m=46
